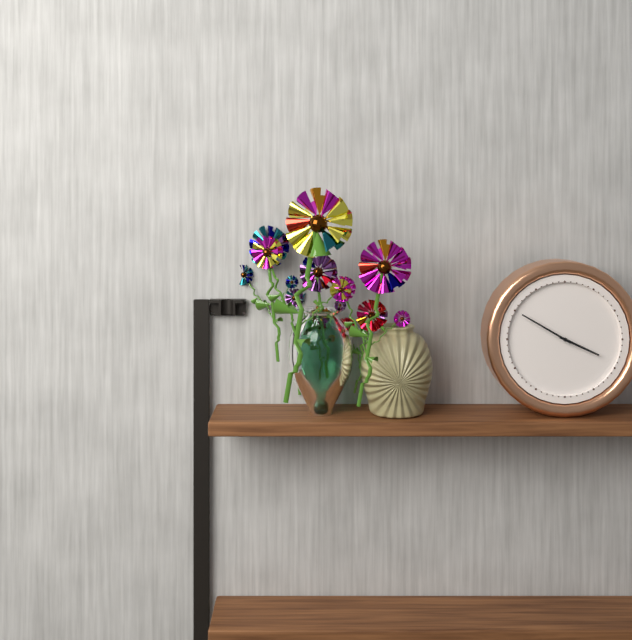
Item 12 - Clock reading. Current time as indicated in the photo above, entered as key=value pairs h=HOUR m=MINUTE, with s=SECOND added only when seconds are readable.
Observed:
h=3 m=50
